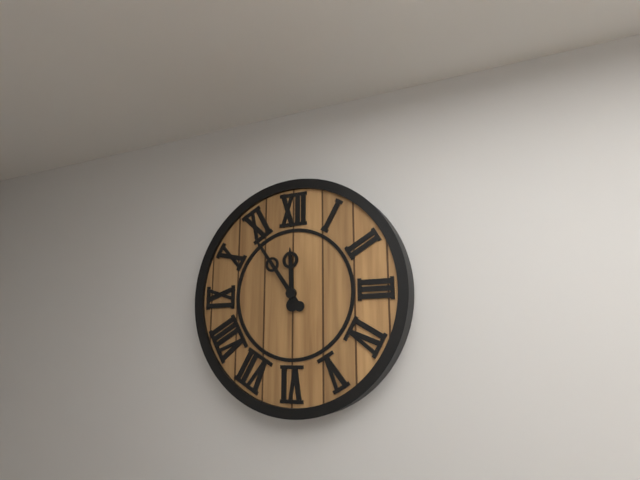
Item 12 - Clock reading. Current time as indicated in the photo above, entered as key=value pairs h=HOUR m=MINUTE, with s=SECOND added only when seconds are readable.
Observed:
h=11 m=54
